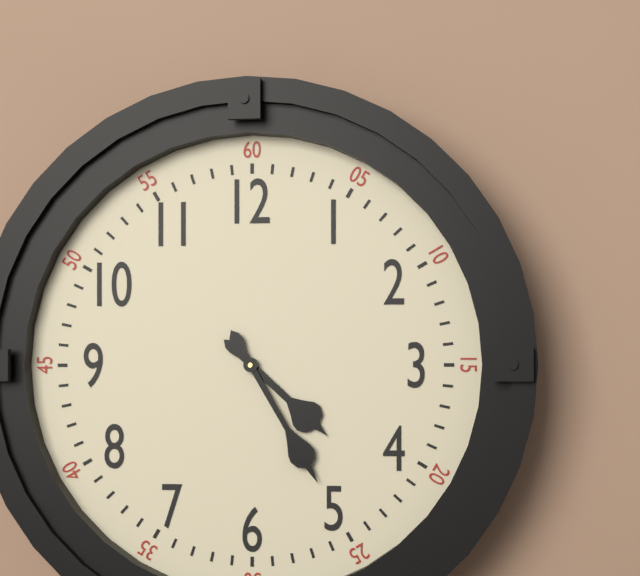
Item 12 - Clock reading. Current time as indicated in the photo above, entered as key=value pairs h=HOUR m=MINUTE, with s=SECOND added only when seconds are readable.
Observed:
h=4 m=25
